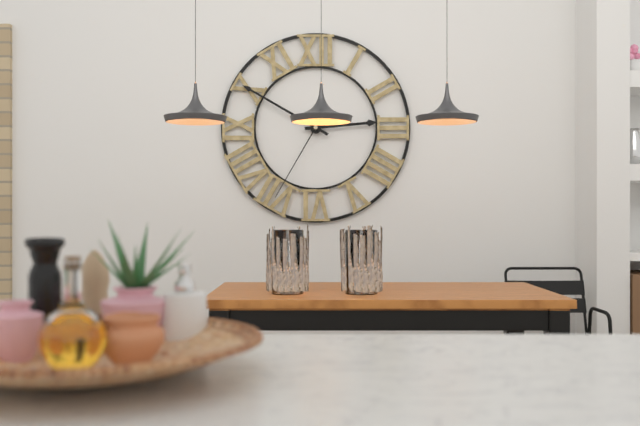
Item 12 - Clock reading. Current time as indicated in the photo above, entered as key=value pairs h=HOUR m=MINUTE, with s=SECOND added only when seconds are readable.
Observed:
h=2 m=50 s=35
